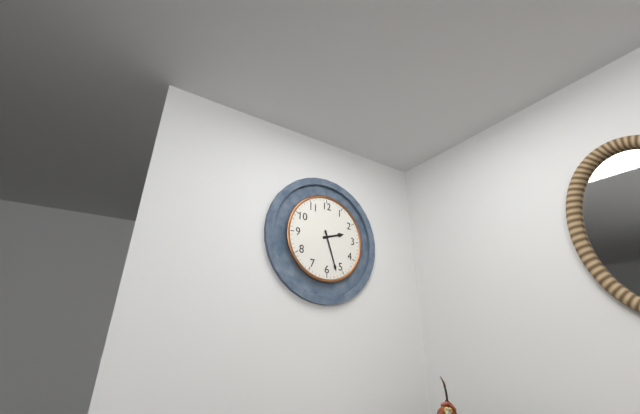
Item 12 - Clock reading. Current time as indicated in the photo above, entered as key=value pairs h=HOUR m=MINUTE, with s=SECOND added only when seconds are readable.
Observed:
h=2 m=27
